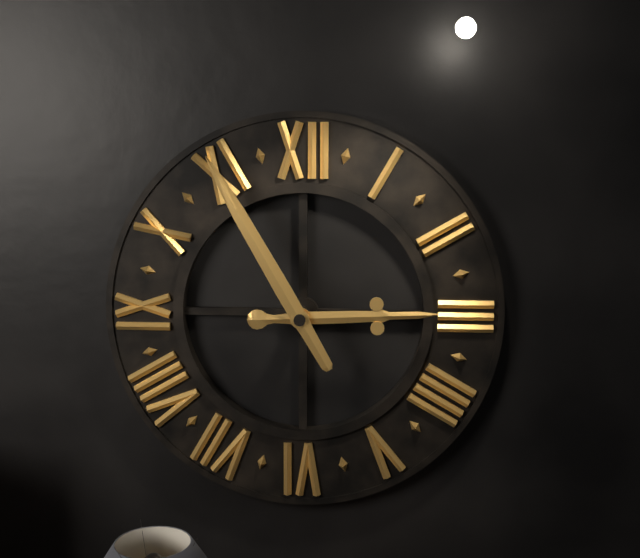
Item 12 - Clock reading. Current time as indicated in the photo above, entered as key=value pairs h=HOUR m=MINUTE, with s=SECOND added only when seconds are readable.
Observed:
h=2 m=55
